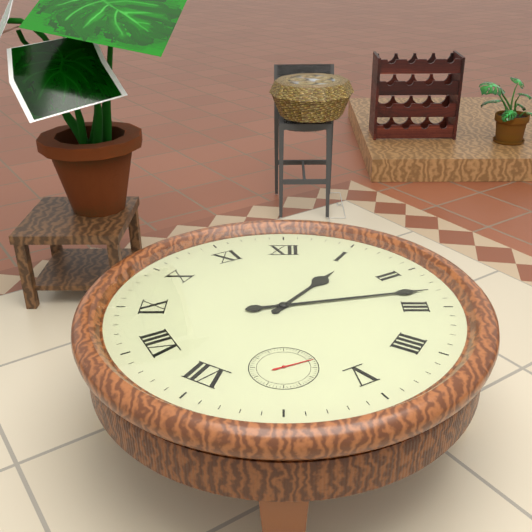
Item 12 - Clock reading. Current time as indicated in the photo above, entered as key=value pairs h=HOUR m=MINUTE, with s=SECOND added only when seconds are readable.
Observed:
h=1 m=13
